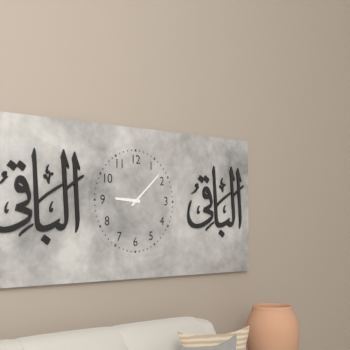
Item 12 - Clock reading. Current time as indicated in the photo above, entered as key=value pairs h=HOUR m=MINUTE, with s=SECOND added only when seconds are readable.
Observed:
h=9 m=8
